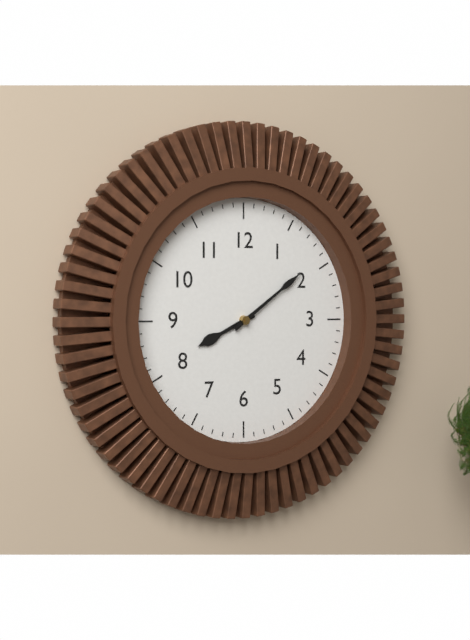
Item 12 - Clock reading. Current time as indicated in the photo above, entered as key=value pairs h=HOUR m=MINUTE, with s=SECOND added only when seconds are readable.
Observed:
h=8 m=9
